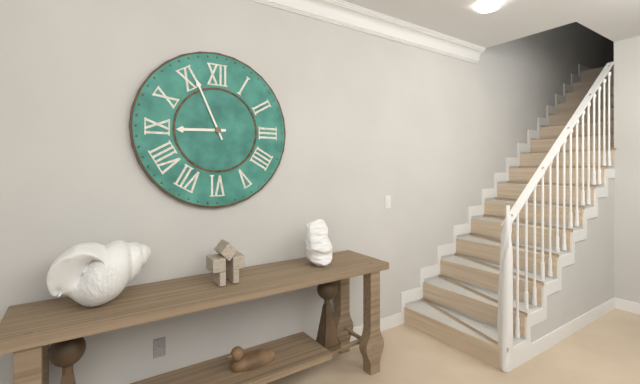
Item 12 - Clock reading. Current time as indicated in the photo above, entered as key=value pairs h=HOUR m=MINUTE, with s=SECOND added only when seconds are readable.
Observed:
h=8 m=56
